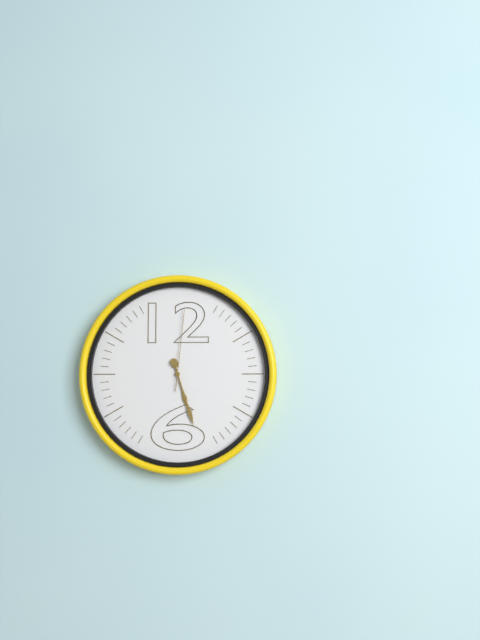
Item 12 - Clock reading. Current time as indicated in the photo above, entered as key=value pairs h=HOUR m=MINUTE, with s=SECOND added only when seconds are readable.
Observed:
h=5 m=27 s=1
